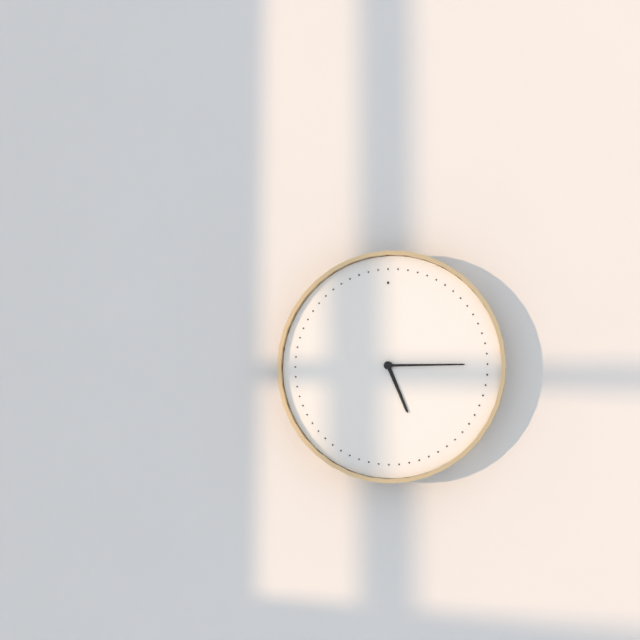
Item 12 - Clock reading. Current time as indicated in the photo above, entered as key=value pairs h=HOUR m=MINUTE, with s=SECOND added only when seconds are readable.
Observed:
h=5 m=15
